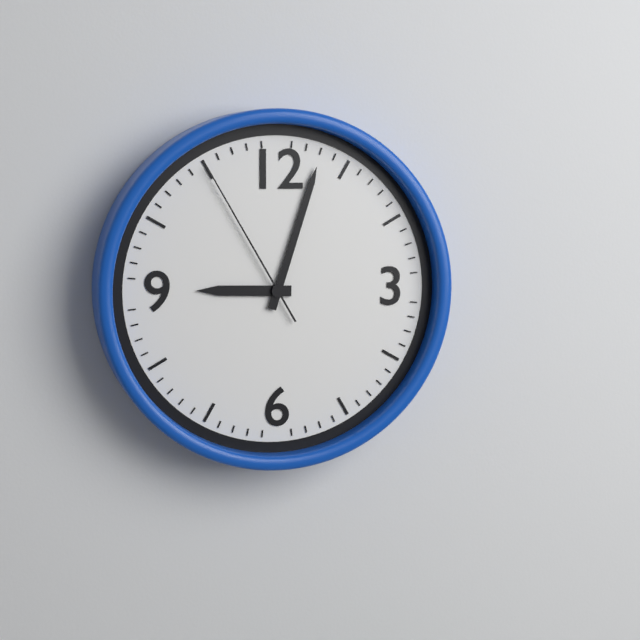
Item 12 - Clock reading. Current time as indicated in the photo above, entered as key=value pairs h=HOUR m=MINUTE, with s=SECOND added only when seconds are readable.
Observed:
h=9 m=3 s=55
